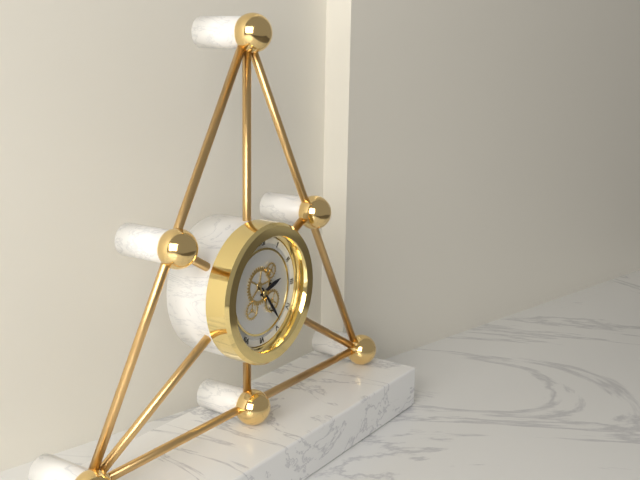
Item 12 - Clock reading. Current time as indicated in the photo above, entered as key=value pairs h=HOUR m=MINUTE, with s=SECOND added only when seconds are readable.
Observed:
h=2 m=24
